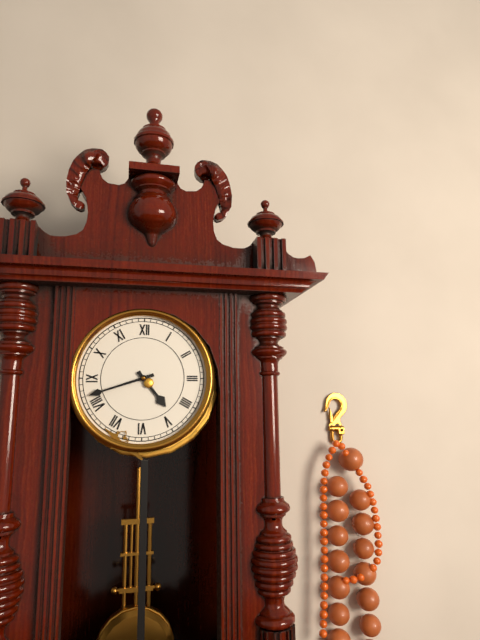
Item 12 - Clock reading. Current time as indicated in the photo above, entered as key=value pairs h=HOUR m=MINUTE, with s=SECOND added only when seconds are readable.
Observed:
h=4 m=42
